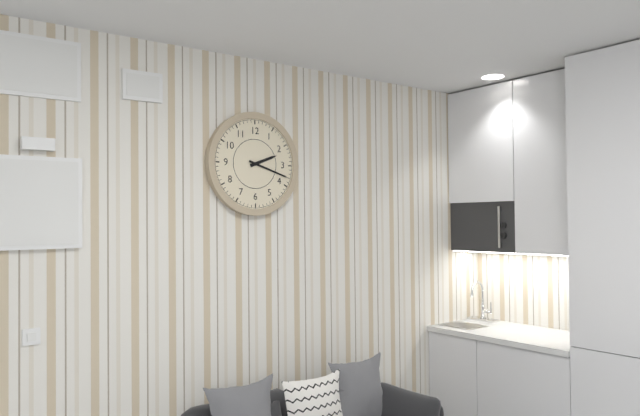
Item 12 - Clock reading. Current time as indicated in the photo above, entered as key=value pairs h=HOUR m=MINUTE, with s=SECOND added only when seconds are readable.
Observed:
h=2 m=18
